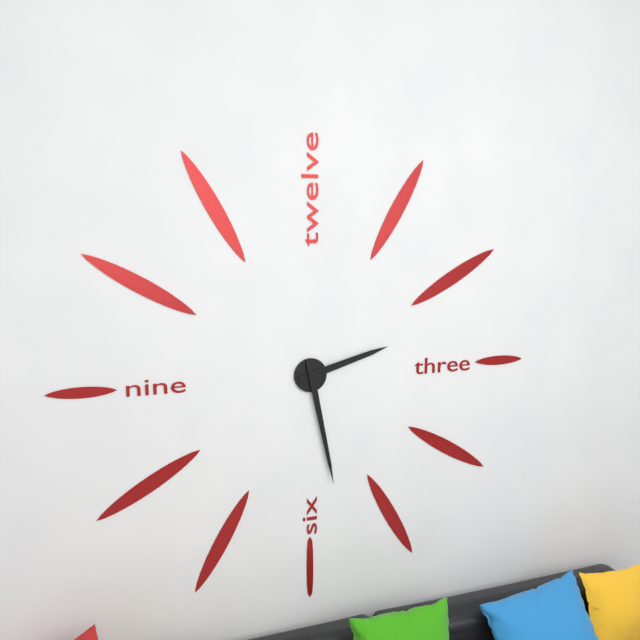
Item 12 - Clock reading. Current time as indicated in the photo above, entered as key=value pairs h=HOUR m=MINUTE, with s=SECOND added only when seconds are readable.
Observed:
h=2 m=28
